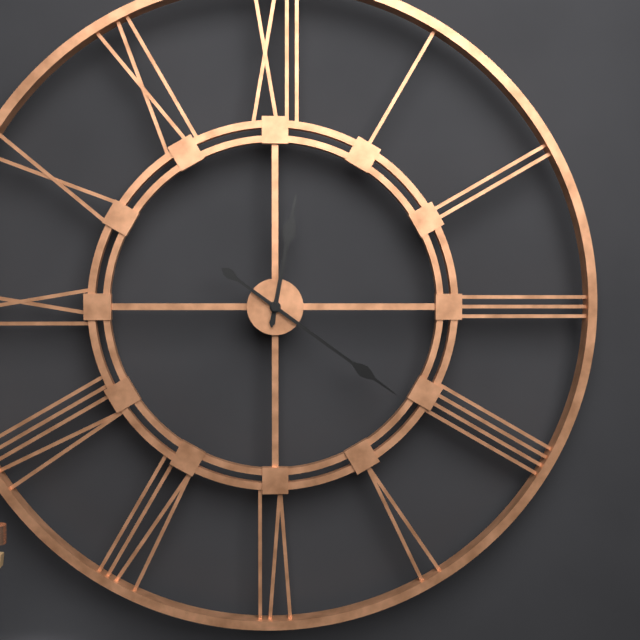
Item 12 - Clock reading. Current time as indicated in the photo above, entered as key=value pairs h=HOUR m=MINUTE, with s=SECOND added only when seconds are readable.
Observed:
h=12 m=21
